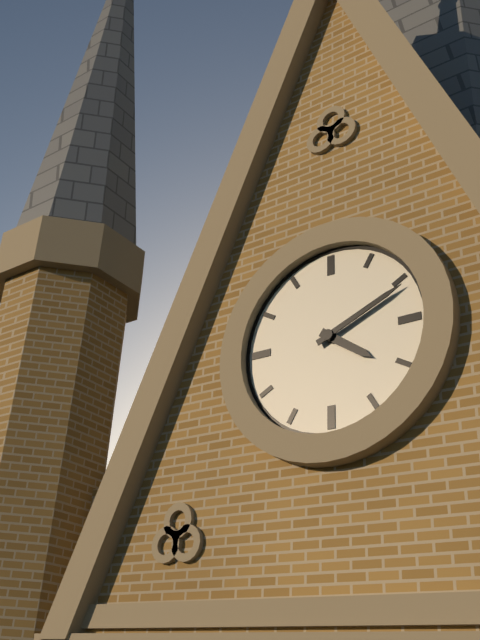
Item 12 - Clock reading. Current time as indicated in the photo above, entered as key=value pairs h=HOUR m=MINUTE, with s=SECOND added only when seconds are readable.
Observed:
h=4 m=11
